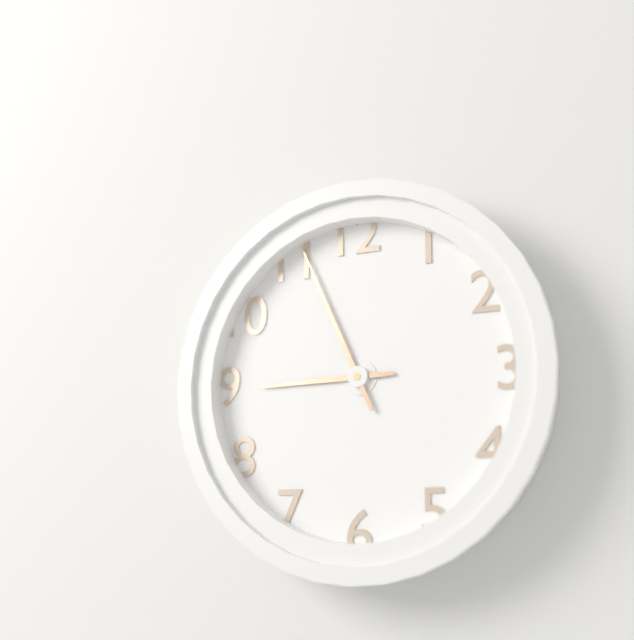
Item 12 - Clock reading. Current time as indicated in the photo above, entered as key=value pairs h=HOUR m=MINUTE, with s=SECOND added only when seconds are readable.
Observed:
h=8 m=56
